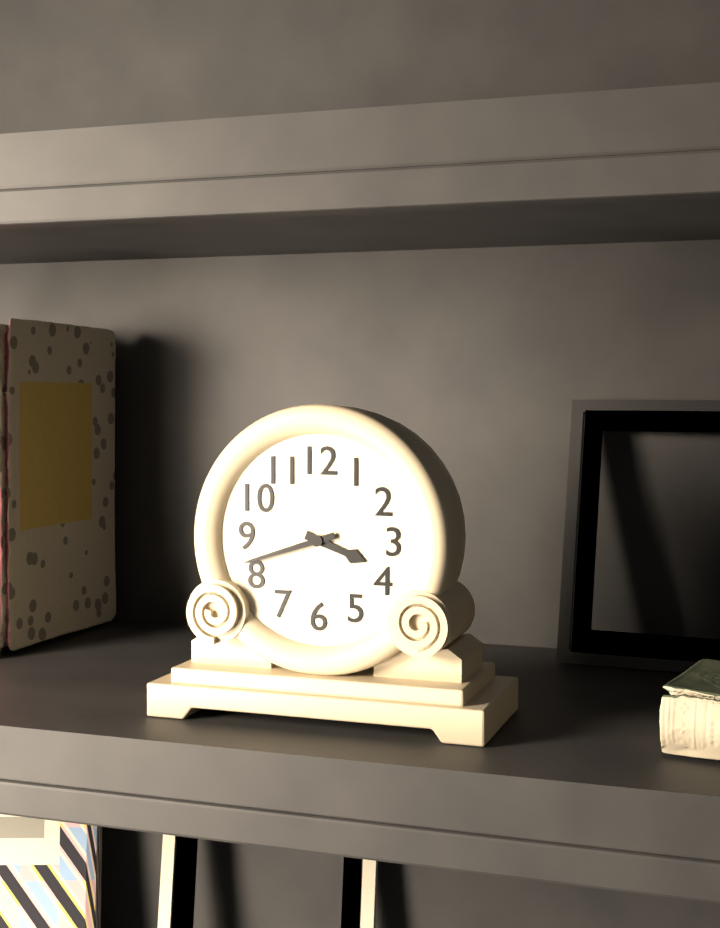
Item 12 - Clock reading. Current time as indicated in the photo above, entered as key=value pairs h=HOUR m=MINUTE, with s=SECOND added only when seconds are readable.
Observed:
h=3 m=42
